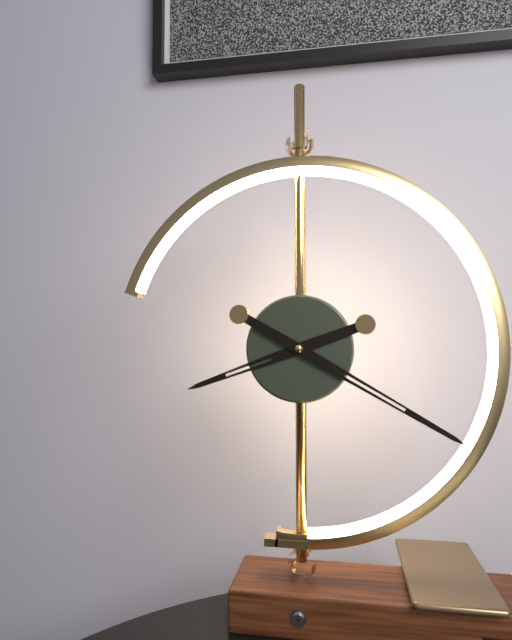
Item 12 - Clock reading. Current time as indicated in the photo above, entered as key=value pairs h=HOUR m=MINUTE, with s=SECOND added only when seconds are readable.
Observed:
h=8 m=20
